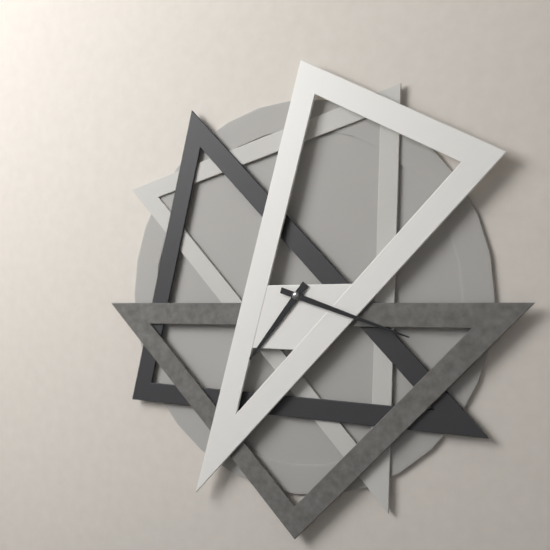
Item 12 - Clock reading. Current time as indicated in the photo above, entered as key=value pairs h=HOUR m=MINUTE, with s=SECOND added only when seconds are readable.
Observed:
h=7 m=18
